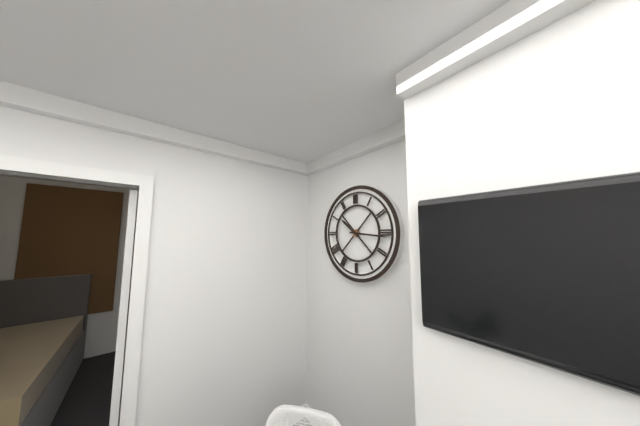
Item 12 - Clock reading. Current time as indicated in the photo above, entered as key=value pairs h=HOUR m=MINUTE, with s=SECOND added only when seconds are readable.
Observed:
h=10 m=16
